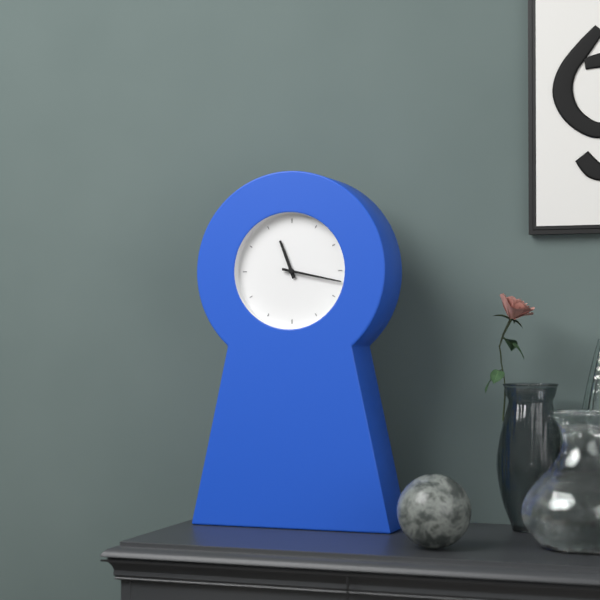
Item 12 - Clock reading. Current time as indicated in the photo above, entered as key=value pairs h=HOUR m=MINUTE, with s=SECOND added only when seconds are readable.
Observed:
h=11 m=17
